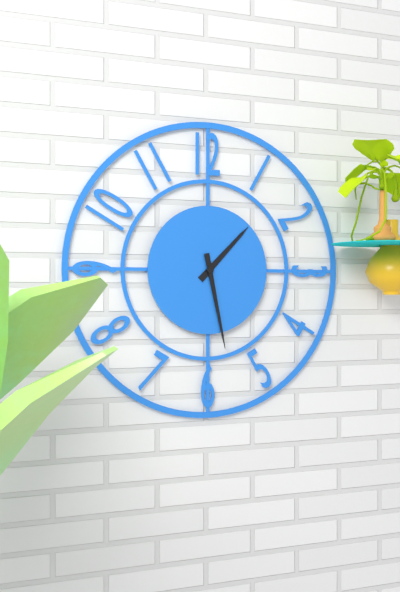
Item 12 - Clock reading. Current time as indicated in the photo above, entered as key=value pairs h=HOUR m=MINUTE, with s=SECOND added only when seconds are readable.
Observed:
h=1 m=28
